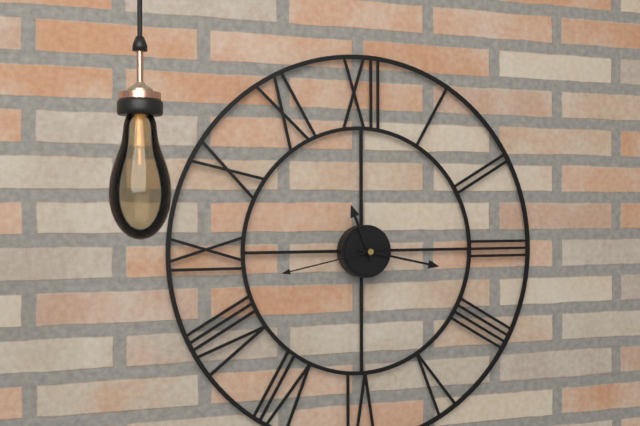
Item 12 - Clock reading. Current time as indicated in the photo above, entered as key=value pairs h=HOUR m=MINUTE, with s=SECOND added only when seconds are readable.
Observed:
h=11 m=17 s=43
